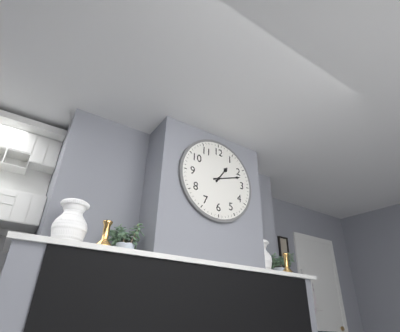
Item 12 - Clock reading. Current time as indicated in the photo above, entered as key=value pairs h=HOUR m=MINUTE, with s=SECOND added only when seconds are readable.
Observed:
h=1 m=12
